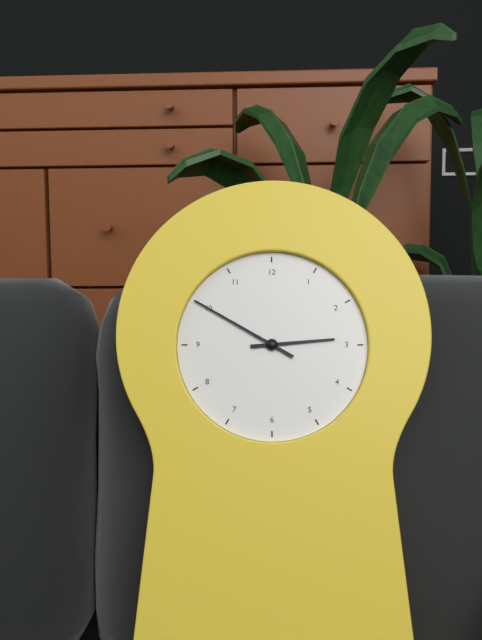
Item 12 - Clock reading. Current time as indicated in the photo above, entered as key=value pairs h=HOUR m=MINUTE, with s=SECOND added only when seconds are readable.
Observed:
h=2 m=50
